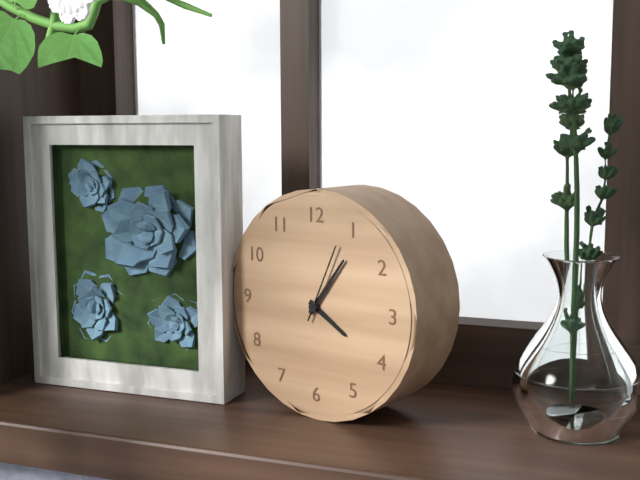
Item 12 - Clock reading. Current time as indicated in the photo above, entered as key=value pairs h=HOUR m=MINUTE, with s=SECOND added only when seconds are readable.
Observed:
h=4 m=6 s=4
